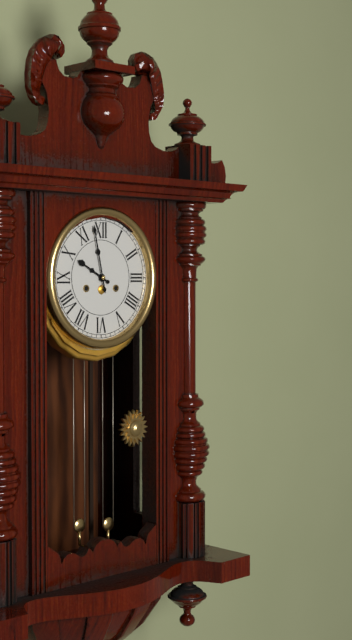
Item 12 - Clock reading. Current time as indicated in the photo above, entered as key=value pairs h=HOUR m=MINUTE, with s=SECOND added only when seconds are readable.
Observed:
h=9 m=58
